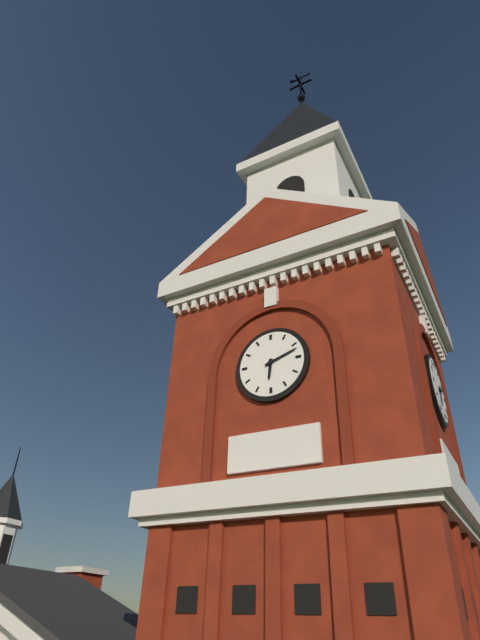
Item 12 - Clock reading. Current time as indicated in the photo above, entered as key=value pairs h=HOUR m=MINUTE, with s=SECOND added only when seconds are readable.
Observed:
h=6 m=12
